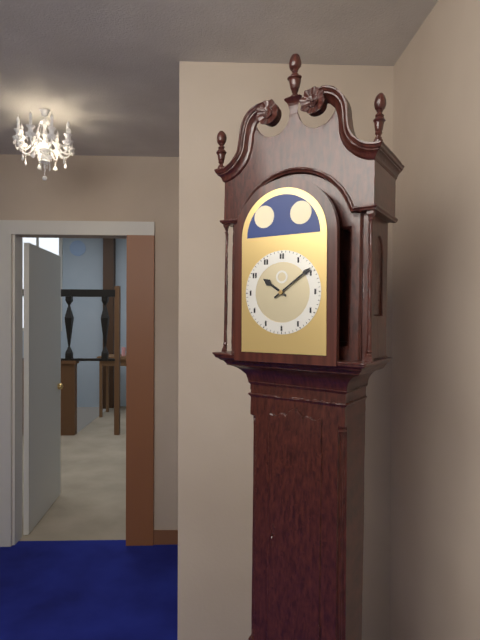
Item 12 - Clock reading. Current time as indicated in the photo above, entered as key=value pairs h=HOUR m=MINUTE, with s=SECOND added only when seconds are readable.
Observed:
h=10 m=9
